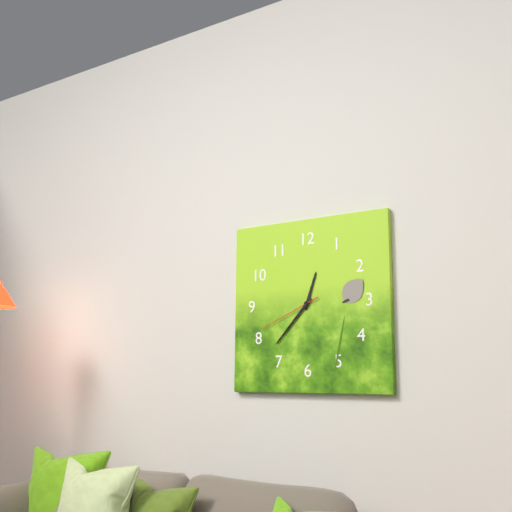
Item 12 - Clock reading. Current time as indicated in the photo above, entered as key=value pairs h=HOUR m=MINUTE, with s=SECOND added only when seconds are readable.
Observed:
h=12 m=37 s=41
